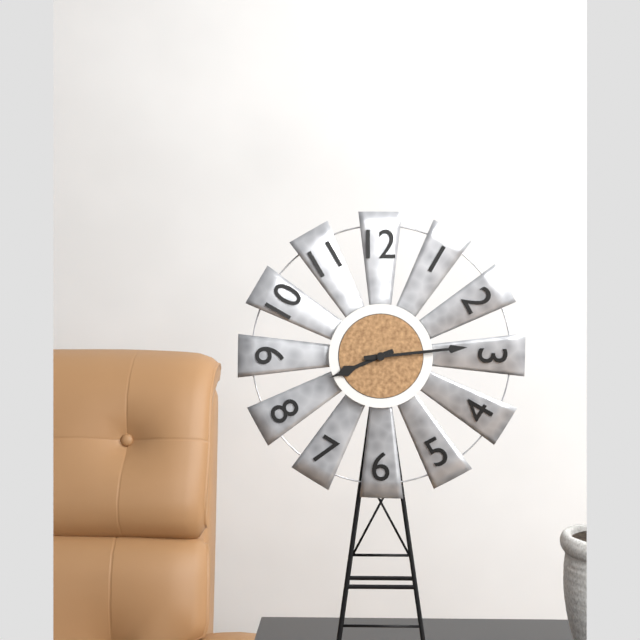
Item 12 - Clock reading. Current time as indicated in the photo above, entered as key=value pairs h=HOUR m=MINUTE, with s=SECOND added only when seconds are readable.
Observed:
h=8 m=14
